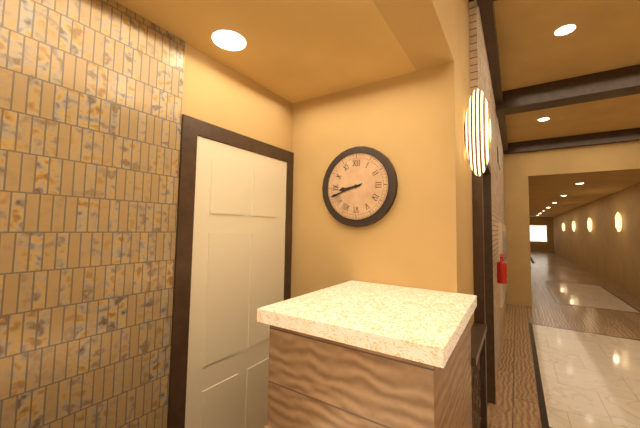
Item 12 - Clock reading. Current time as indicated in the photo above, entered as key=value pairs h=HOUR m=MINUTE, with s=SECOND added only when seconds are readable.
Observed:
h=8 m=42
